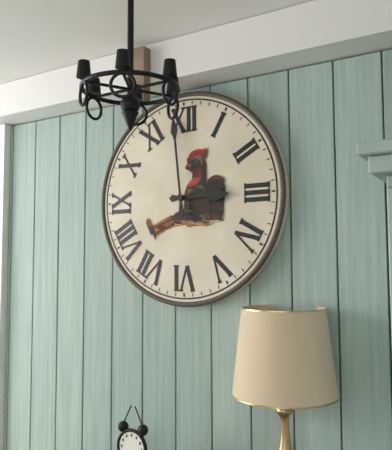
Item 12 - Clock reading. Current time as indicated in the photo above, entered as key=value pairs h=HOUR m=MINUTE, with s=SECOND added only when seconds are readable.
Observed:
h=2 m=59
